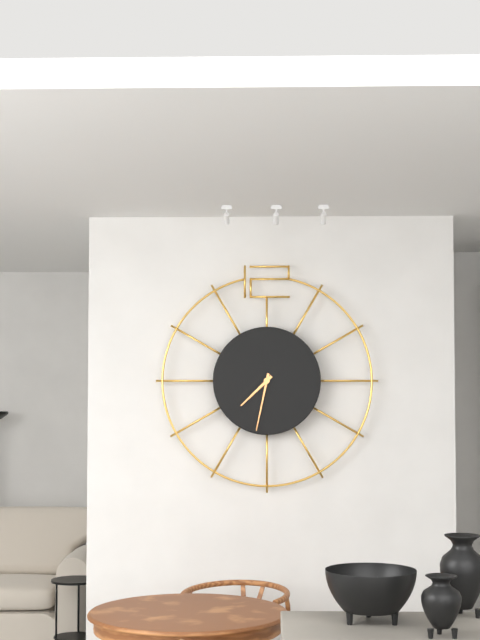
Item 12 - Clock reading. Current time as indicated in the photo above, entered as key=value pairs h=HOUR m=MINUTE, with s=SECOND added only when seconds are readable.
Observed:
h=7 m=32
